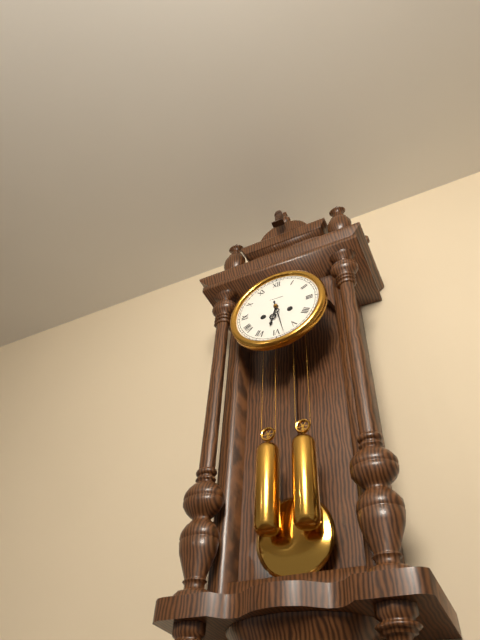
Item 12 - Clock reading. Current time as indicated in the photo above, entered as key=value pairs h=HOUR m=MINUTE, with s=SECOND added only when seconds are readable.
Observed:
h=6 m=28
